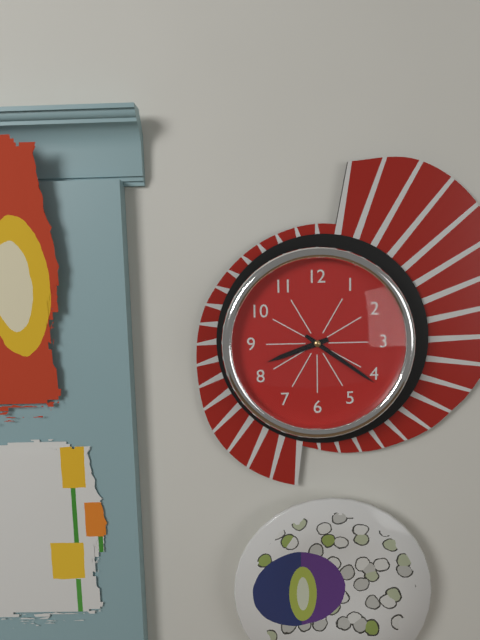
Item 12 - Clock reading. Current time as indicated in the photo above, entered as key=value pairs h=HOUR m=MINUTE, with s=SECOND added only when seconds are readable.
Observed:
h=8 m=21
